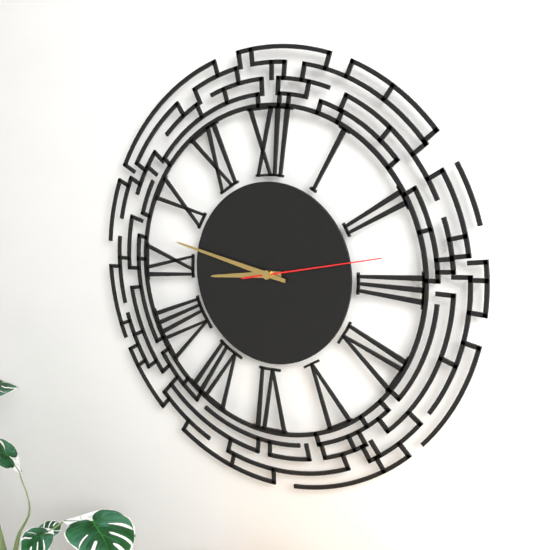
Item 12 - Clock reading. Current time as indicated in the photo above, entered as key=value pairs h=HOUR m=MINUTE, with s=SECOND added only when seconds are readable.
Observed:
h=8 m=47 s=13
